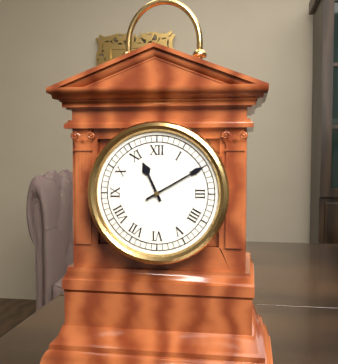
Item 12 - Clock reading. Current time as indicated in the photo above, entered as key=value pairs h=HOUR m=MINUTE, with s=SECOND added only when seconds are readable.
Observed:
h=11 m=10
